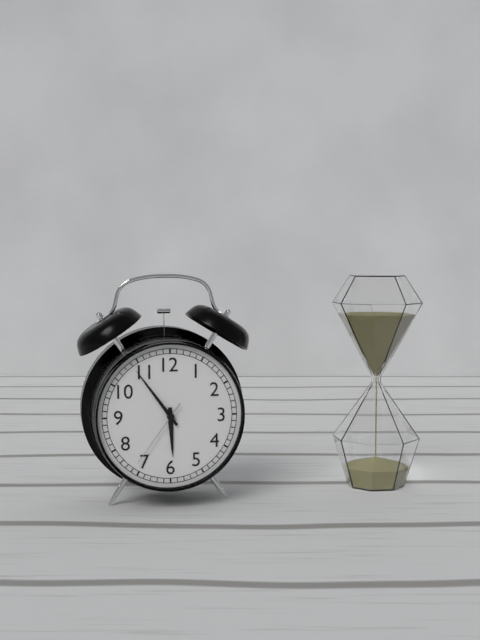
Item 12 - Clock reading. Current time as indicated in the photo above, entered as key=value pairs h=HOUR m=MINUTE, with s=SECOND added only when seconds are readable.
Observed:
h=5 m=54 s=36
